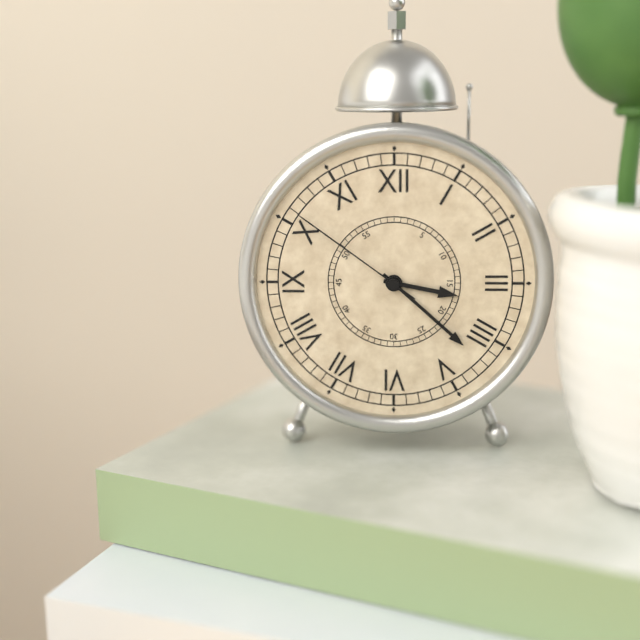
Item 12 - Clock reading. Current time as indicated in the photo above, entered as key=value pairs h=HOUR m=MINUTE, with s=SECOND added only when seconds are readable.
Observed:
h=3 m=22 s=51
